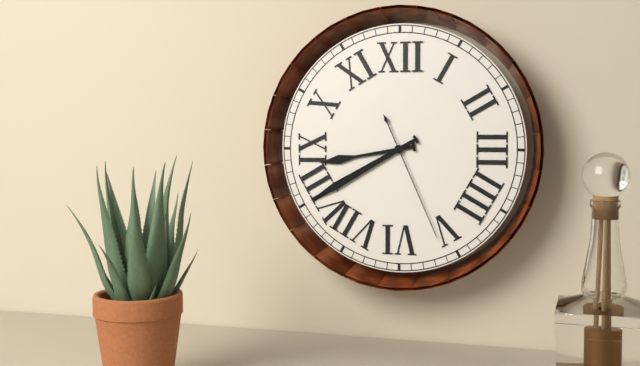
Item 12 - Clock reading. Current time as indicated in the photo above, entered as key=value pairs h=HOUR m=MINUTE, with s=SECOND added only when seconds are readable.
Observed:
h=8 m=40 s=26
